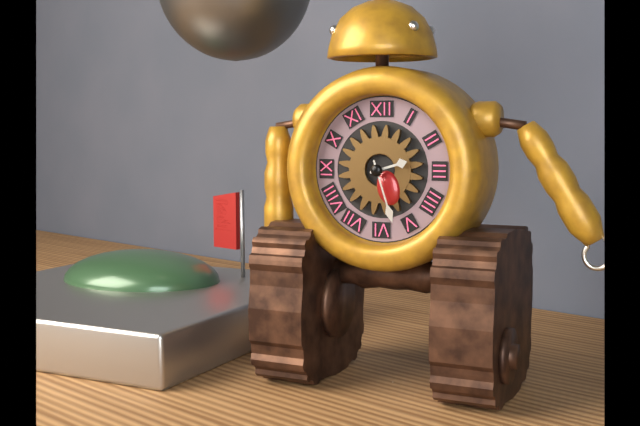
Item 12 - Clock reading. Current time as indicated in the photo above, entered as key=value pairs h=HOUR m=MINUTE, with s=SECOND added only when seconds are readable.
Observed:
h=2 m=27
